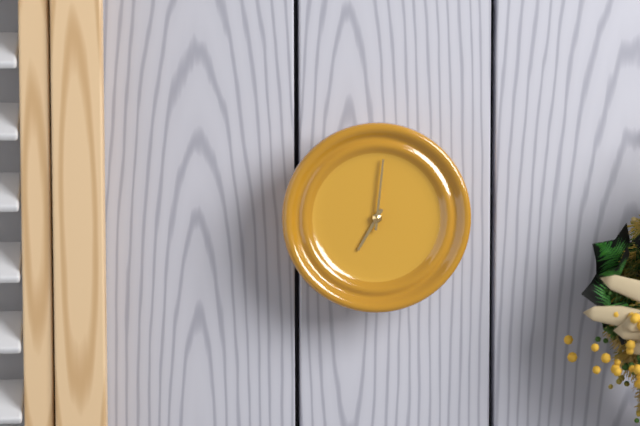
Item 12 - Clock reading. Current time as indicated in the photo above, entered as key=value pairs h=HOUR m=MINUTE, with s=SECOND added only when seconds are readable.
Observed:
h=7 m=1
